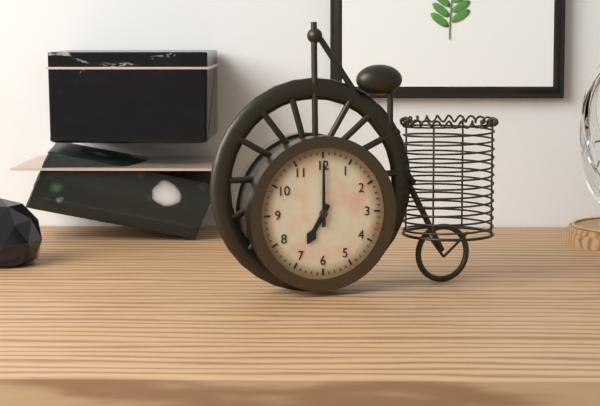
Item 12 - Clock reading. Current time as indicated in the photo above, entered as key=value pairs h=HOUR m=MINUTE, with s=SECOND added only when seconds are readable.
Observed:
h=7 m=0
